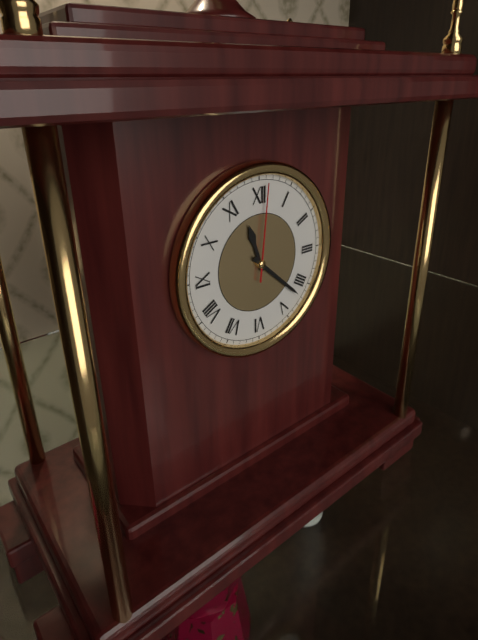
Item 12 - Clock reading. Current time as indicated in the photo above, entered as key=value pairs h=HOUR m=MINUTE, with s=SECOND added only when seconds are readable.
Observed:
h=11 m=22 s=1
